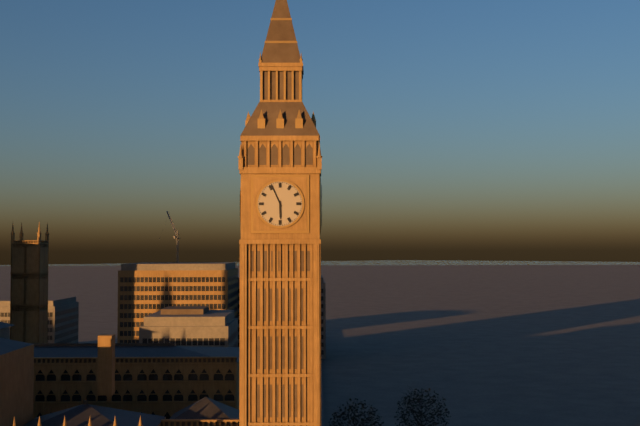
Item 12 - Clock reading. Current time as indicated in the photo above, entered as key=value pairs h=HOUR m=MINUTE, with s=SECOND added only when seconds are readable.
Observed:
h=5 m=56
